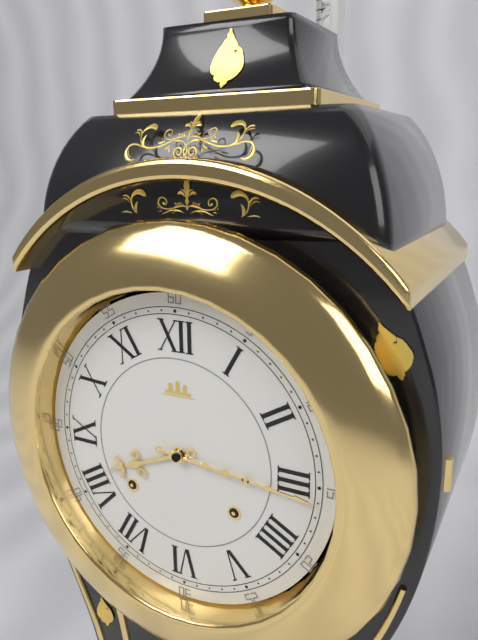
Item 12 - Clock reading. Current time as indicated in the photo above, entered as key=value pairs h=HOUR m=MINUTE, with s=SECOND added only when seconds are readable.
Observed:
h=8 m=16
